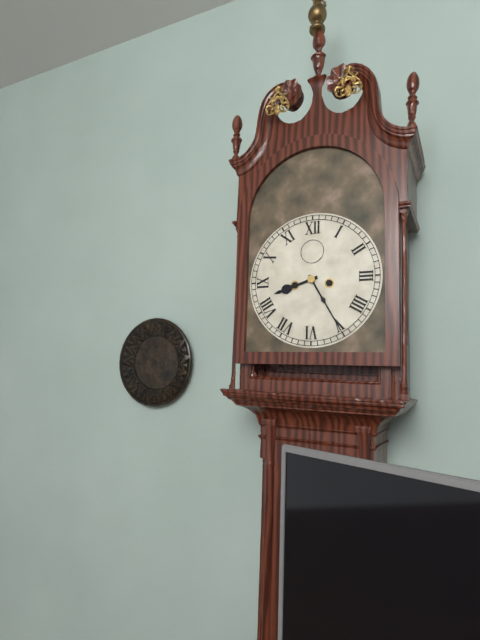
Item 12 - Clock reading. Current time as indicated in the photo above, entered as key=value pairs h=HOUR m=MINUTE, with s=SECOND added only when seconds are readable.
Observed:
h=8 m=25
